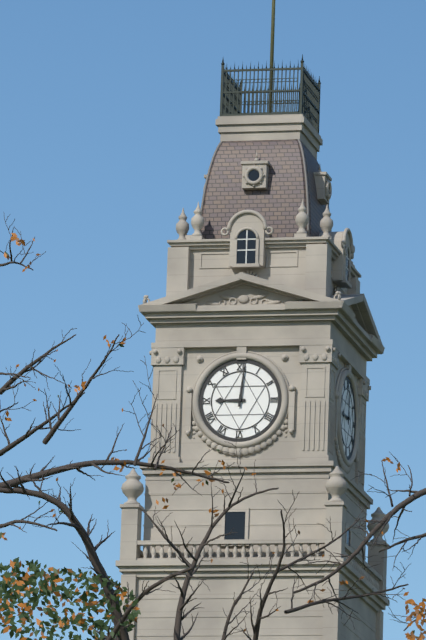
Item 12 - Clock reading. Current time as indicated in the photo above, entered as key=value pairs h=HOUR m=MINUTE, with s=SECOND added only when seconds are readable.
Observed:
h=9 m=1
